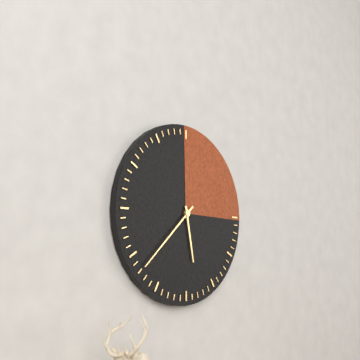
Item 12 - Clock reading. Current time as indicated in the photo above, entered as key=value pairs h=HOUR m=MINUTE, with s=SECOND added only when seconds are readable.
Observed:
h=5 m=38
